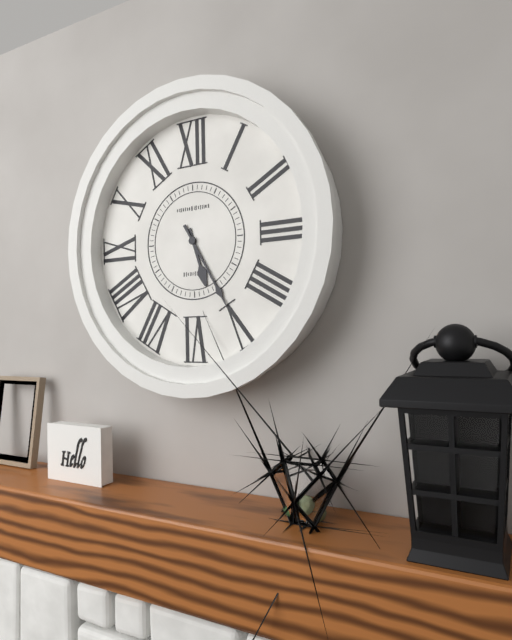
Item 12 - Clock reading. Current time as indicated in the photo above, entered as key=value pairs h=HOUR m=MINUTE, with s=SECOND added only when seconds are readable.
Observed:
h=5 m=25
